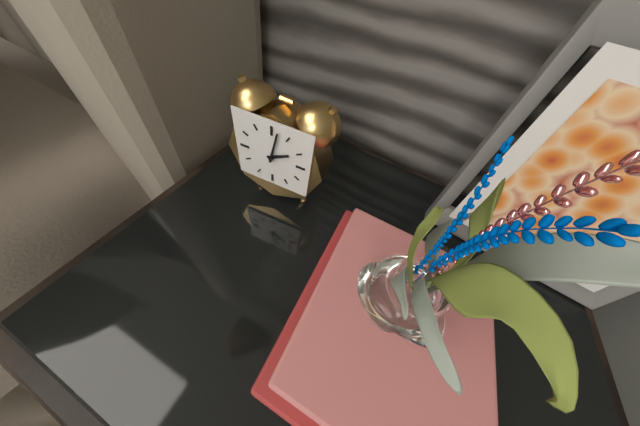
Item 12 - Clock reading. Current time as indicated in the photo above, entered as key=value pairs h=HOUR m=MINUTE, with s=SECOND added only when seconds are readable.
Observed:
h=2 m=2
